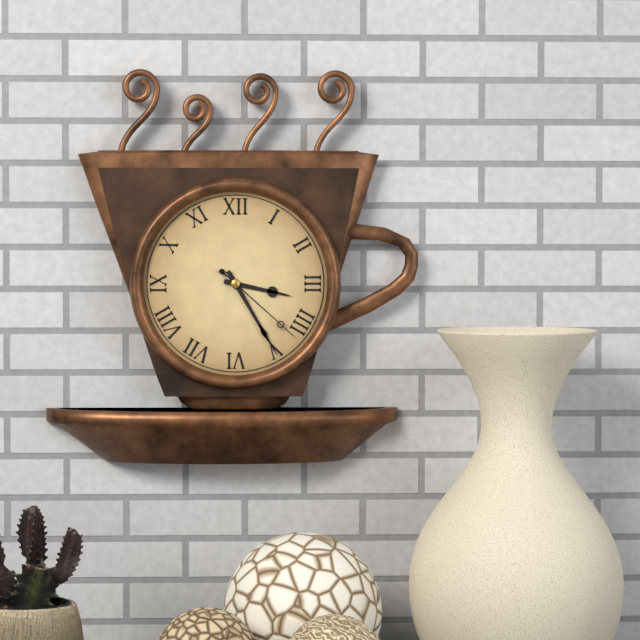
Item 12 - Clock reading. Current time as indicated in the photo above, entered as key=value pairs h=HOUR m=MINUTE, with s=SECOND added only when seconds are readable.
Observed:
h=3 m=25 s=22
